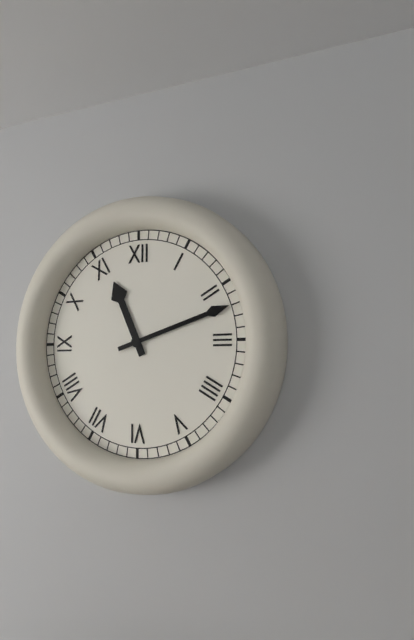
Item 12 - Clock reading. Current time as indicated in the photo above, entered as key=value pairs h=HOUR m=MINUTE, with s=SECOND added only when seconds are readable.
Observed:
h=11 m=12
